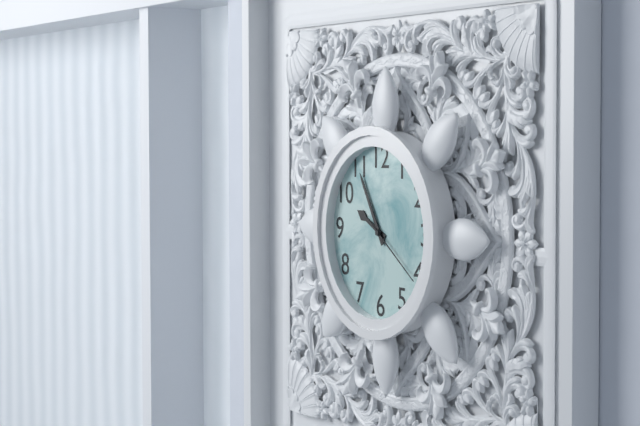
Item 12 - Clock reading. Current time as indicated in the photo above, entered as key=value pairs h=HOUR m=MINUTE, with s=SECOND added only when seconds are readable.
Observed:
h=9 m=55 s=21
